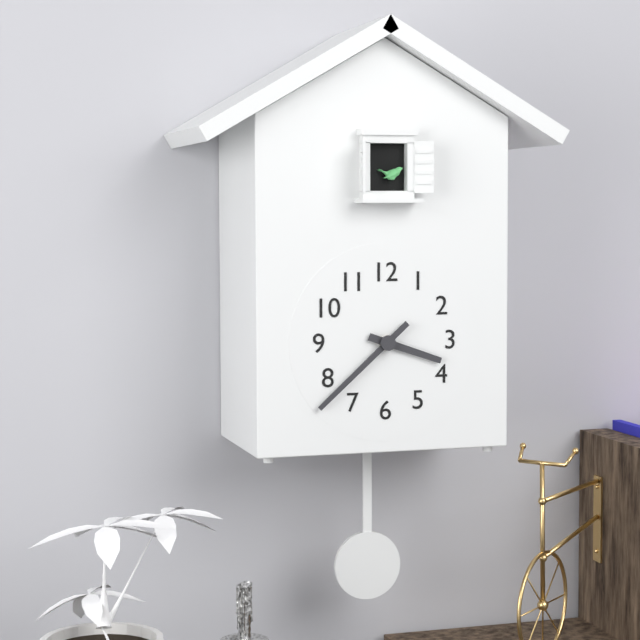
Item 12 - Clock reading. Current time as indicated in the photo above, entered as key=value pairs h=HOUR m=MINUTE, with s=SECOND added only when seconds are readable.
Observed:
h=3 m=38
